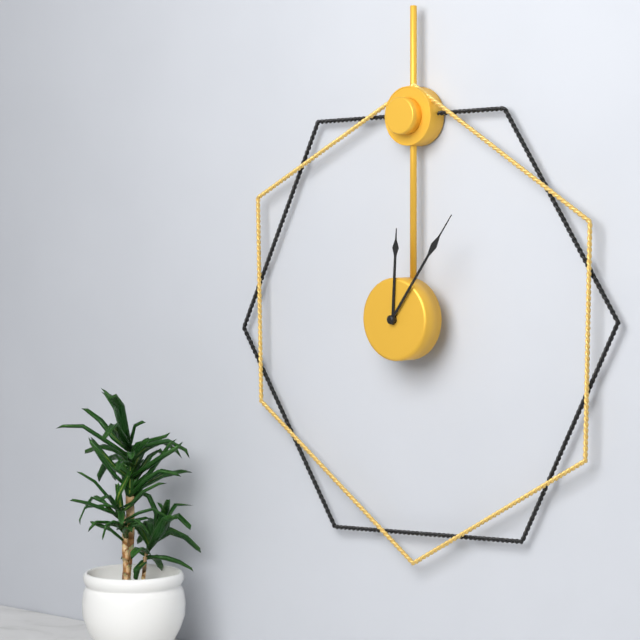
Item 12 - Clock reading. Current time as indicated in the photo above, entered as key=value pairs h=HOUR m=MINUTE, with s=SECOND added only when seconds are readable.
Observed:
h=12 m=6
